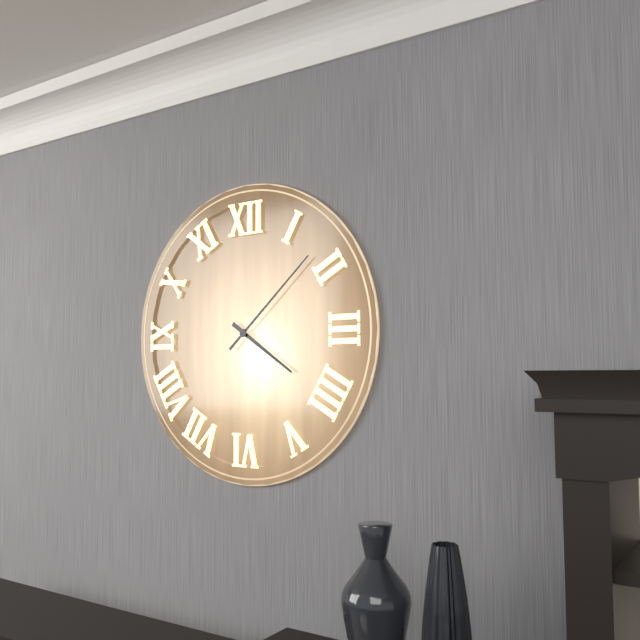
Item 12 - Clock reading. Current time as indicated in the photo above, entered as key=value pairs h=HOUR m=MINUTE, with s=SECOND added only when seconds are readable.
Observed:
h=4 m=8
